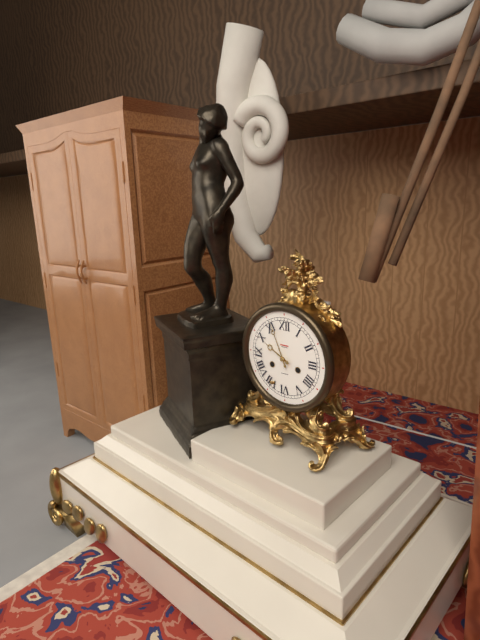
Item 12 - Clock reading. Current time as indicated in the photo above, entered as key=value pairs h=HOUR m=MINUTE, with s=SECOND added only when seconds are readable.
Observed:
h=9 m=56
